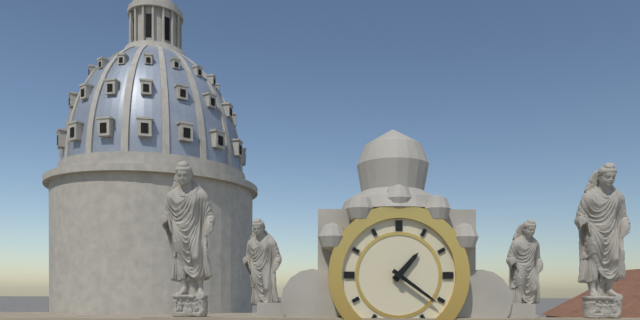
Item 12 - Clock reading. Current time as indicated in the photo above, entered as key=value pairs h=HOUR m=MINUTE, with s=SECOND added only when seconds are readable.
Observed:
h=1 m=21
